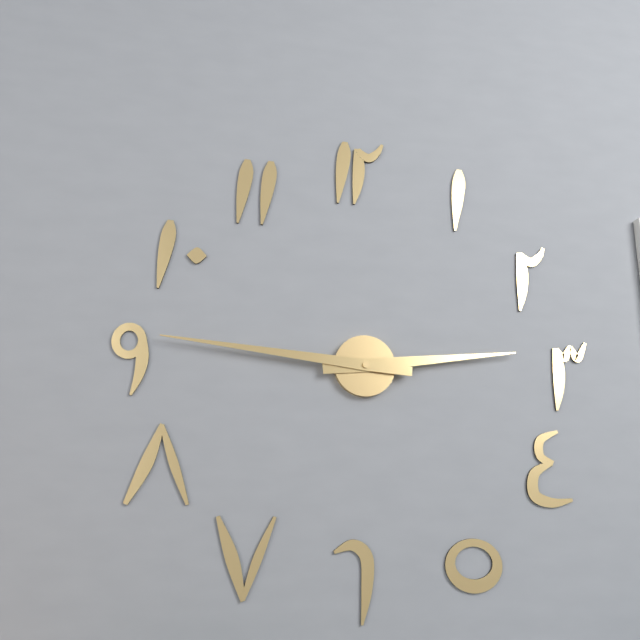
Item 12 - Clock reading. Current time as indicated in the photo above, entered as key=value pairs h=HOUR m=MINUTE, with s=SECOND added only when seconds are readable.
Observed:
h=2 m=46
